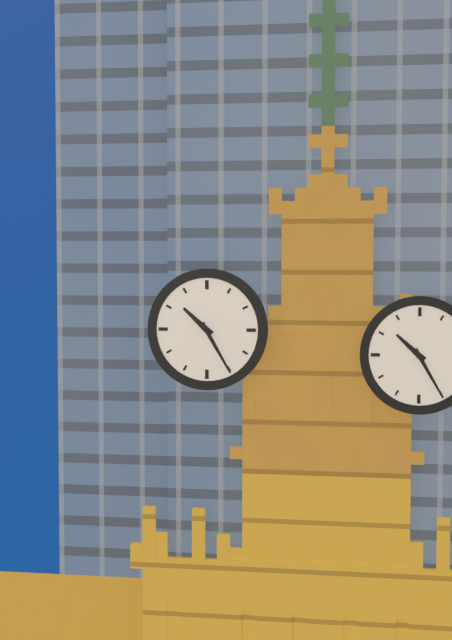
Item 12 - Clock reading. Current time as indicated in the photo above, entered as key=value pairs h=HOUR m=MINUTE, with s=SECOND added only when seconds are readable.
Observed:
h=10 m=25
